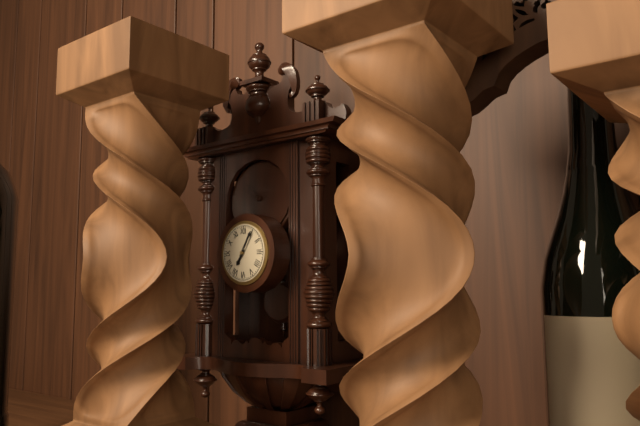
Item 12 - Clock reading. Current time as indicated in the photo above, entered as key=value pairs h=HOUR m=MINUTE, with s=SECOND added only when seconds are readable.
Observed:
h=7 m=5
